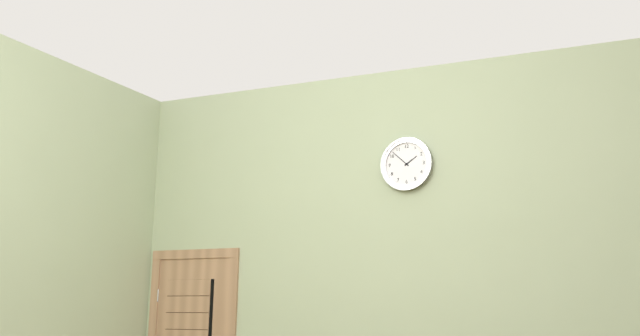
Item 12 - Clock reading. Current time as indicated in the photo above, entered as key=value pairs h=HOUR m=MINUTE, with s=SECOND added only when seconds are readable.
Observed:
h=1 m=52
